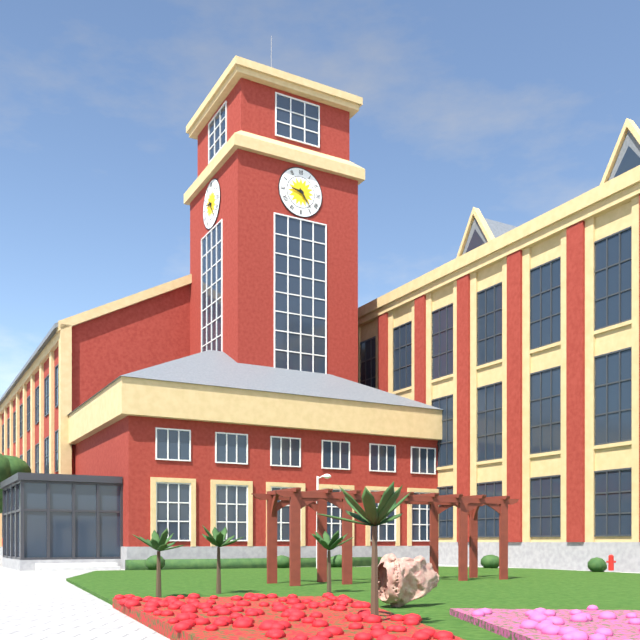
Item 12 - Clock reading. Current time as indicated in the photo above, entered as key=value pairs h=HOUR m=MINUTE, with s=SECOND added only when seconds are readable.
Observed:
h=9 m=24
